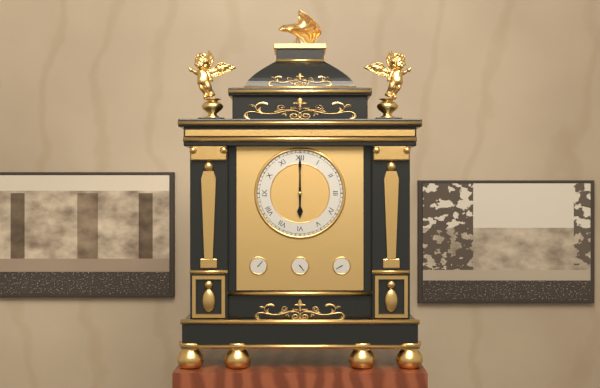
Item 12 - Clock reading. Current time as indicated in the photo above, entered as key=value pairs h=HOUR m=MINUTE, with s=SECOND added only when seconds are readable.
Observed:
h=6 m=0
